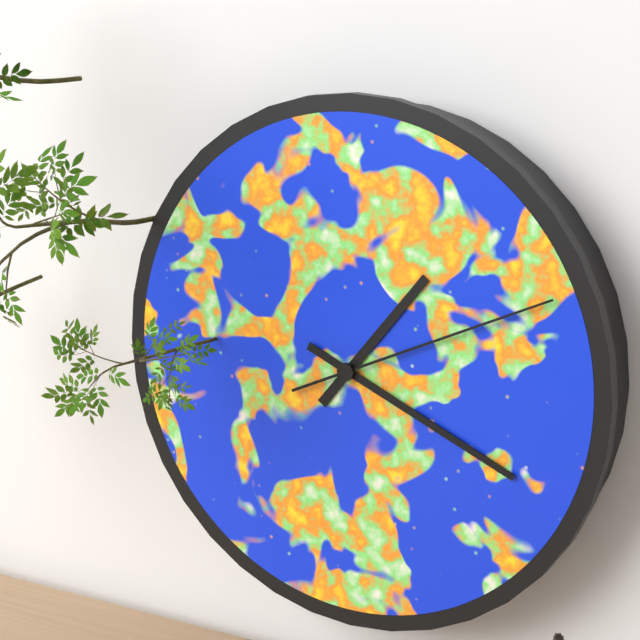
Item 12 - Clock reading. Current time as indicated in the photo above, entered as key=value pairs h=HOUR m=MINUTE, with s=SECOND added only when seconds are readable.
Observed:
h=1 m=19 s=11
